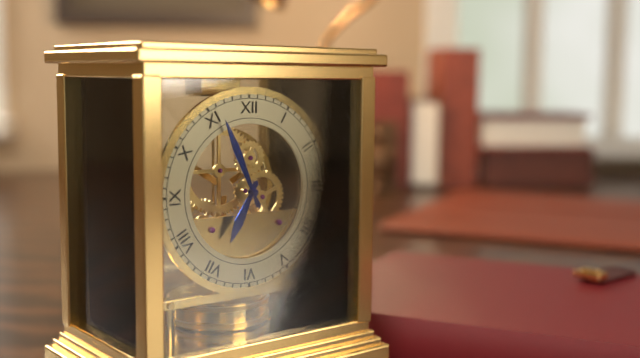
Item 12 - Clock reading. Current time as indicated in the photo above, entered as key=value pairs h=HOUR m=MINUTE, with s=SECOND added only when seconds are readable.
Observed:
h=6 m=56
